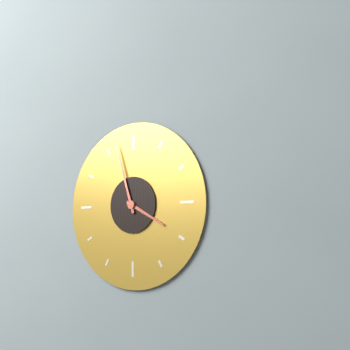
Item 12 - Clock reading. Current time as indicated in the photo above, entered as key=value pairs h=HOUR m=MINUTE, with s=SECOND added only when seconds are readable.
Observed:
h=3 m=57
